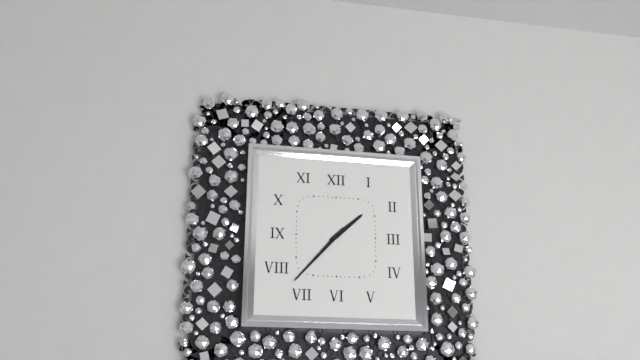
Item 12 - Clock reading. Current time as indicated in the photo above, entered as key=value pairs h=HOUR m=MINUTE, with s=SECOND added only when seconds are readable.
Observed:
h=1 m=37
